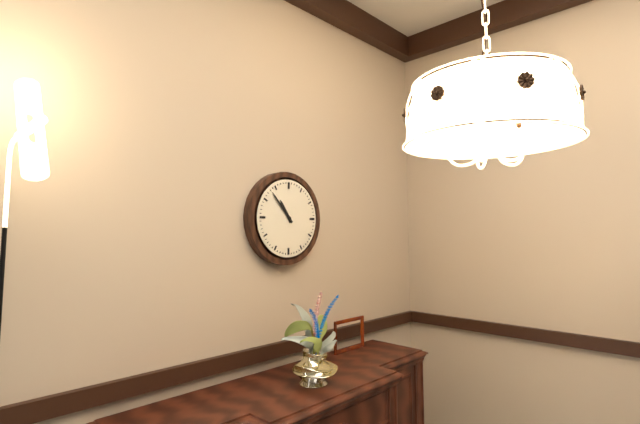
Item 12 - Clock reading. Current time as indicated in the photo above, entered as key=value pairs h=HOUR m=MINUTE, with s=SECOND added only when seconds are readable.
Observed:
h=10 m=53
